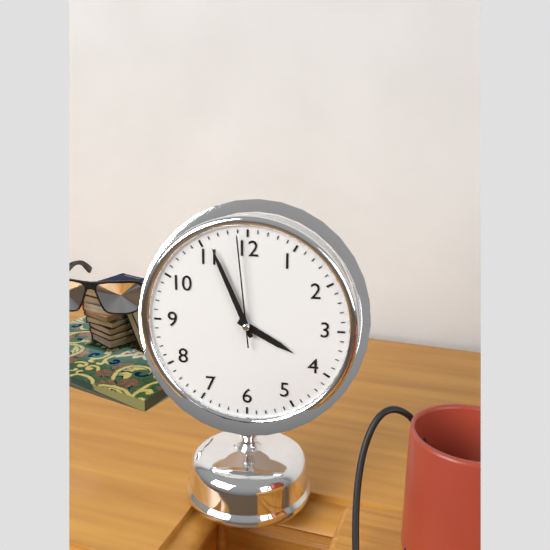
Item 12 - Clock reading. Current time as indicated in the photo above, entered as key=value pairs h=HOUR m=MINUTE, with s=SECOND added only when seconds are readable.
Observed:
h=3 m=56 s=59
